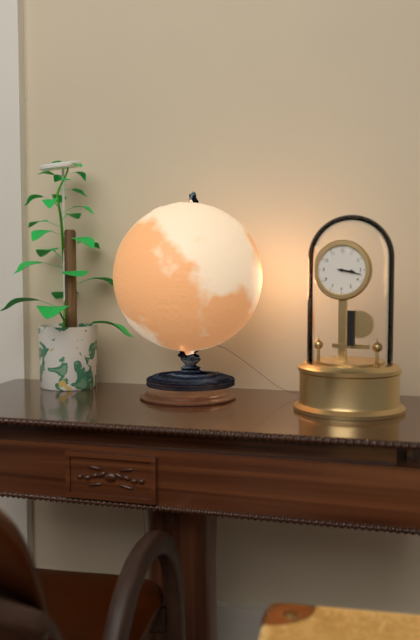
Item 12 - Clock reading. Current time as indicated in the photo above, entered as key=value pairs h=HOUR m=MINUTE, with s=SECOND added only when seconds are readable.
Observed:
h=3 m=17
